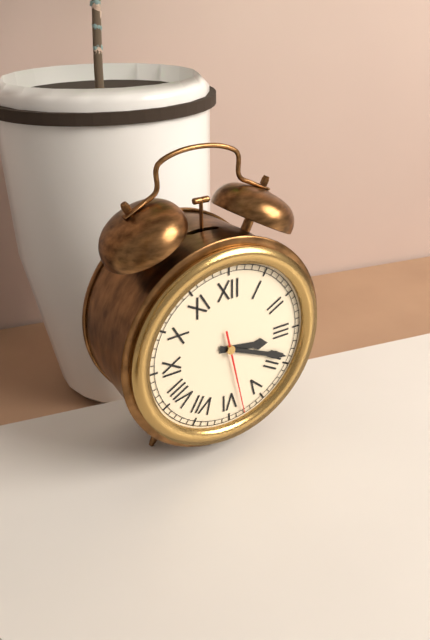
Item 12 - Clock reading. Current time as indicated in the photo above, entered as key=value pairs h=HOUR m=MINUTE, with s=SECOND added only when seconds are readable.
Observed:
h=3 m=19 s=28
